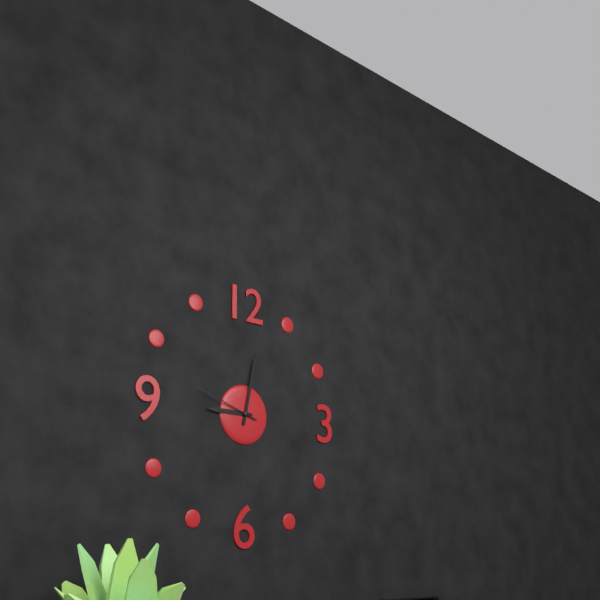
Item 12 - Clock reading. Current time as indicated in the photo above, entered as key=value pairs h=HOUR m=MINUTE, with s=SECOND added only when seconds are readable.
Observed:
h=9 m=2 s=48
